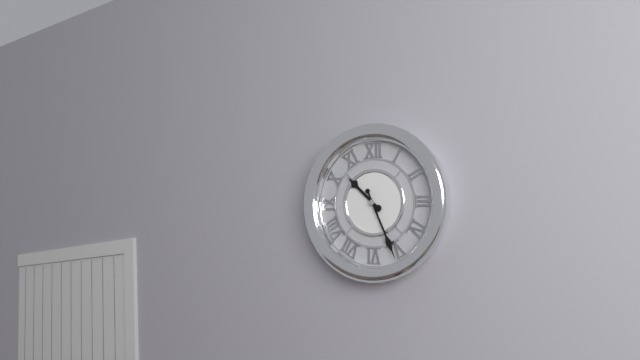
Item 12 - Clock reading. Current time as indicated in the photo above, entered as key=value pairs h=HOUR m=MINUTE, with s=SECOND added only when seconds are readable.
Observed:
h=10 m=26
